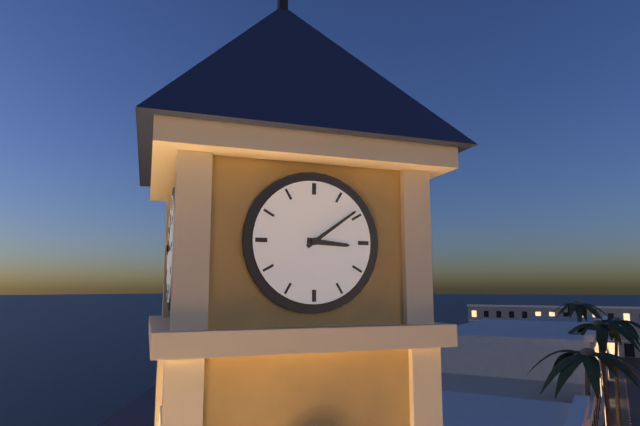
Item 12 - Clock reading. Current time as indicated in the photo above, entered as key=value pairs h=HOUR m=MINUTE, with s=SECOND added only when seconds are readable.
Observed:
h=3 m=9
